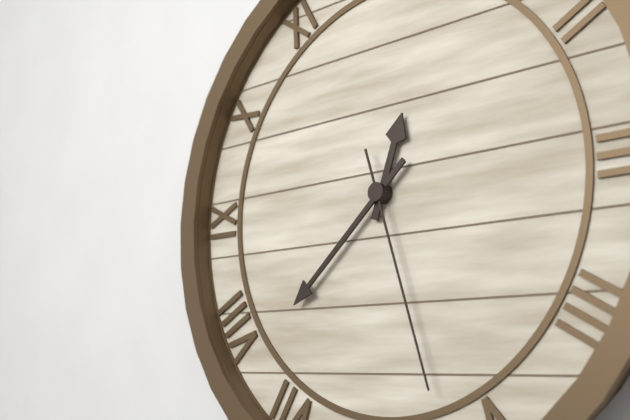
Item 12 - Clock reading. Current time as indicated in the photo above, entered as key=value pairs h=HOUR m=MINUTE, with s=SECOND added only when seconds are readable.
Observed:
h=12 m=38 s=27
